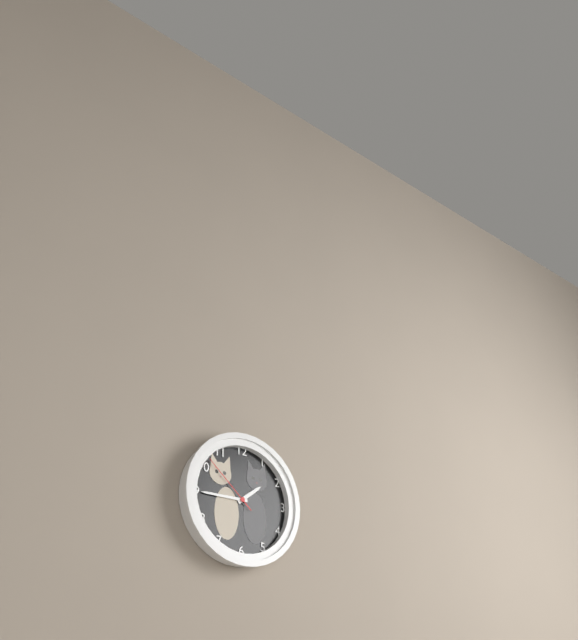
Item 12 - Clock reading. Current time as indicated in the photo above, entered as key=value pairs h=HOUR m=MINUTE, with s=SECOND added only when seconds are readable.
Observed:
h=1 m=45 s=52
